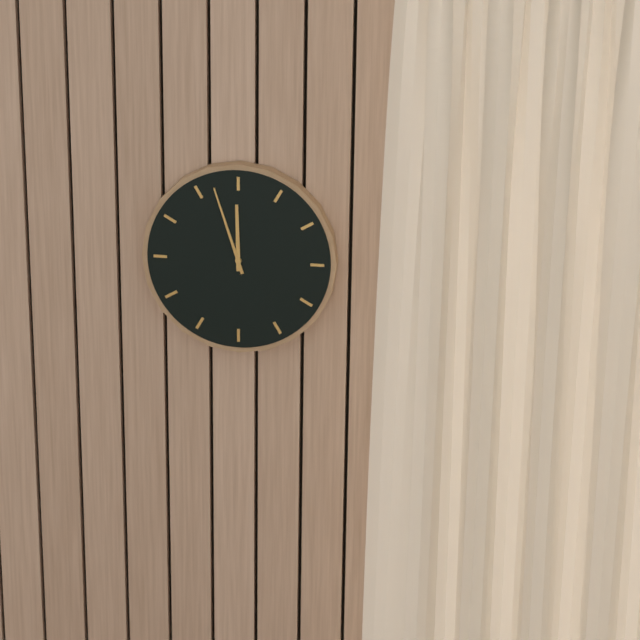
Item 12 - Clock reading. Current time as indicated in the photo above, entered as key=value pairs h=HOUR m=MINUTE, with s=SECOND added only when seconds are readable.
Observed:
h=11 m=57
